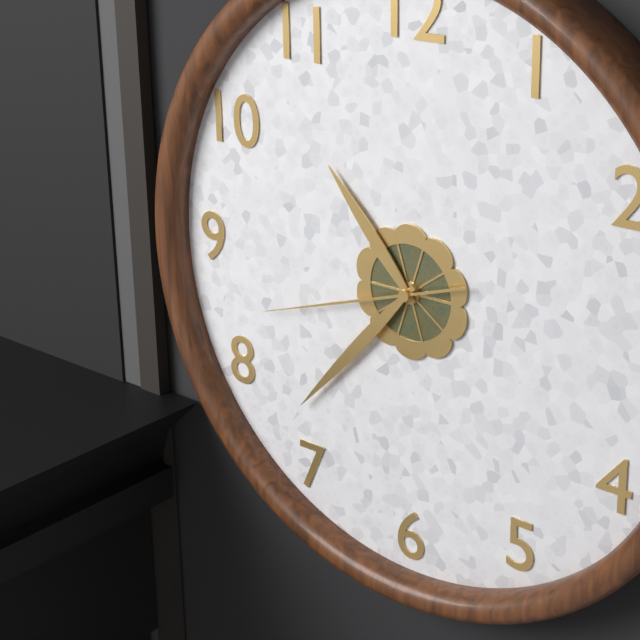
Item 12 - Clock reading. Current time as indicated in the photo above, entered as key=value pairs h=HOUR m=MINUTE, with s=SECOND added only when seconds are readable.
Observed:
h=10 m=37 s=42
